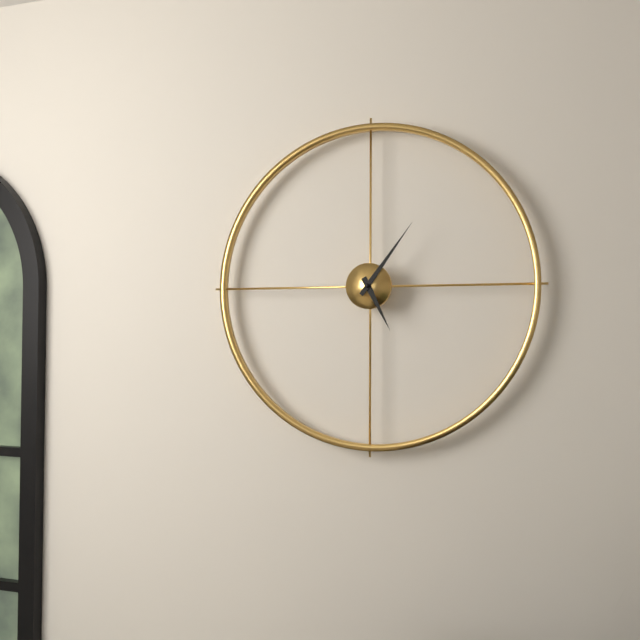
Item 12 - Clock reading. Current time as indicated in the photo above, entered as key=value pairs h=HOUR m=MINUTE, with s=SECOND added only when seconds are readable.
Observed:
h=5 m=6
